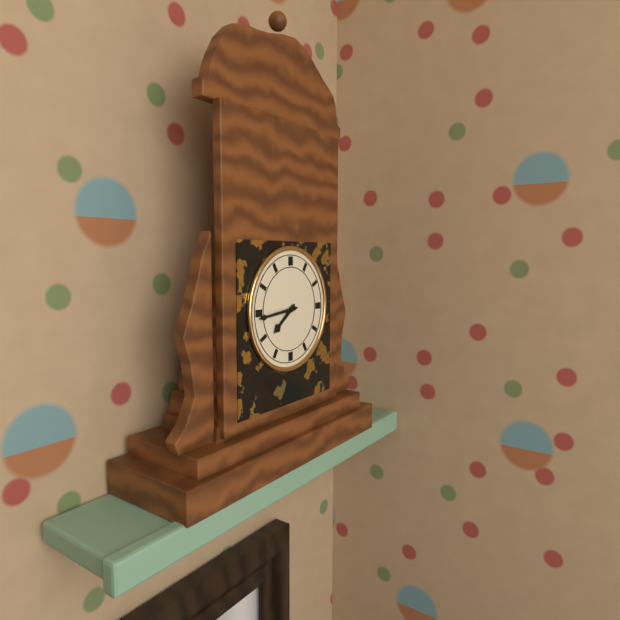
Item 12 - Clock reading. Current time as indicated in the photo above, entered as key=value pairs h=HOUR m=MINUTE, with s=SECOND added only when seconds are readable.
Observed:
h=7 m=44
